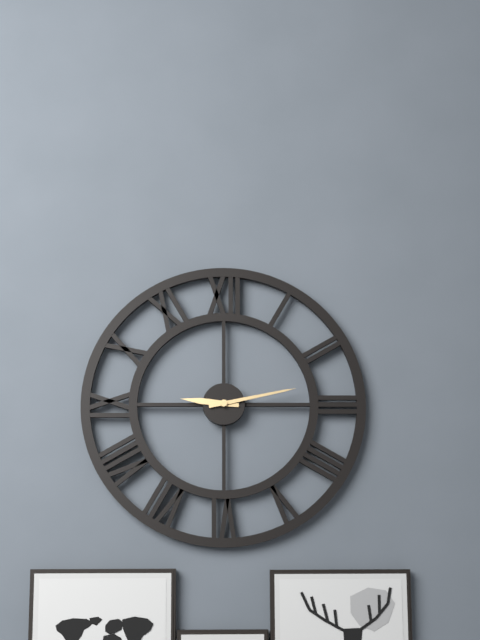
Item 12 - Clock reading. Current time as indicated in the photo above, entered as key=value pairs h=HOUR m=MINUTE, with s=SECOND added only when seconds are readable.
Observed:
h=9 m=13
